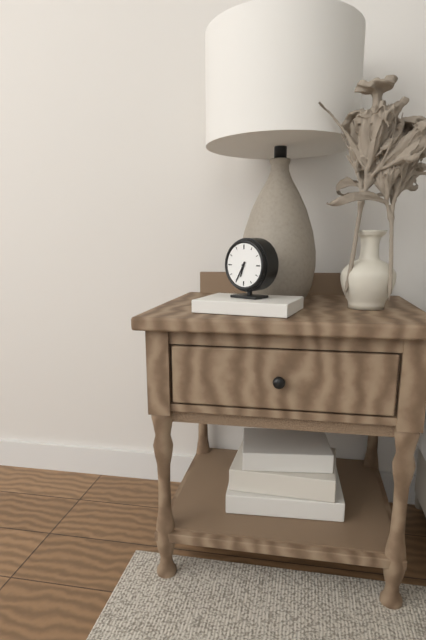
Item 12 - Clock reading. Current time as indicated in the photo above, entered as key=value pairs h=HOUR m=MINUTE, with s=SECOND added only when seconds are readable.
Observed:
h=6 m=35
